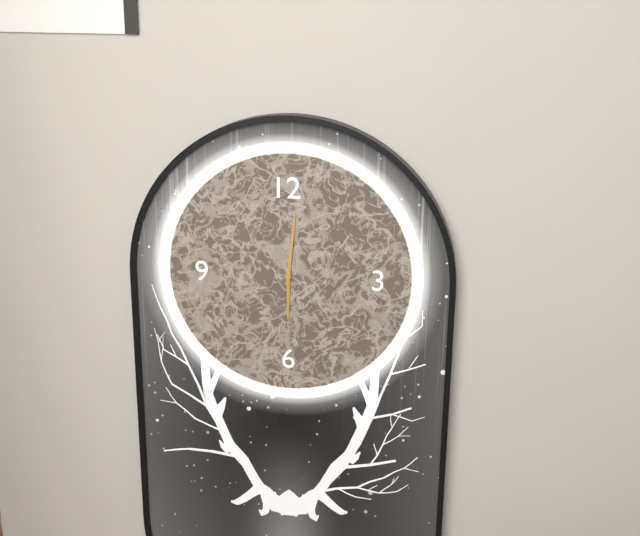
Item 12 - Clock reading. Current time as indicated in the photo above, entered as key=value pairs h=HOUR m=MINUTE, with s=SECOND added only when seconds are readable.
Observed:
h=6 m=1
